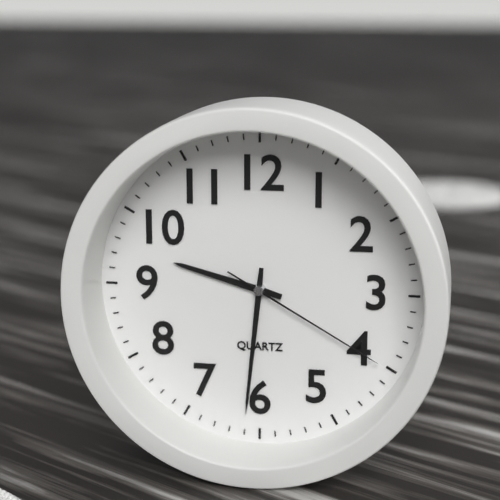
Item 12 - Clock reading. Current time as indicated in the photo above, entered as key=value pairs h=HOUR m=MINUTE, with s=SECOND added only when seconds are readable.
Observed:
h=9 m=31 s=20
